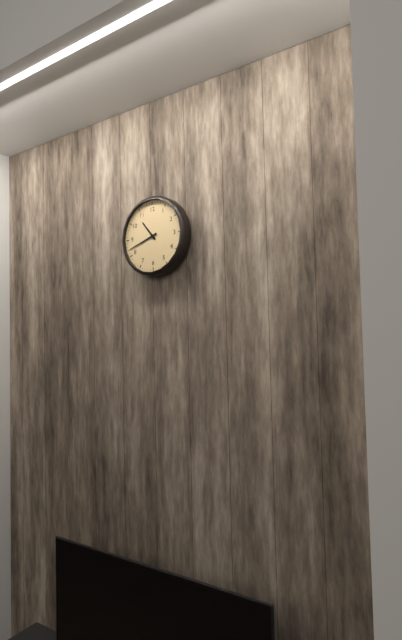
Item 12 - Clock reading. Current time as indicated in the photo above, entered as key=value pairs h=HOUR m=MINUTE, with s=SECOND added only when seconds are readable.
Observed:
h=10 m=42
